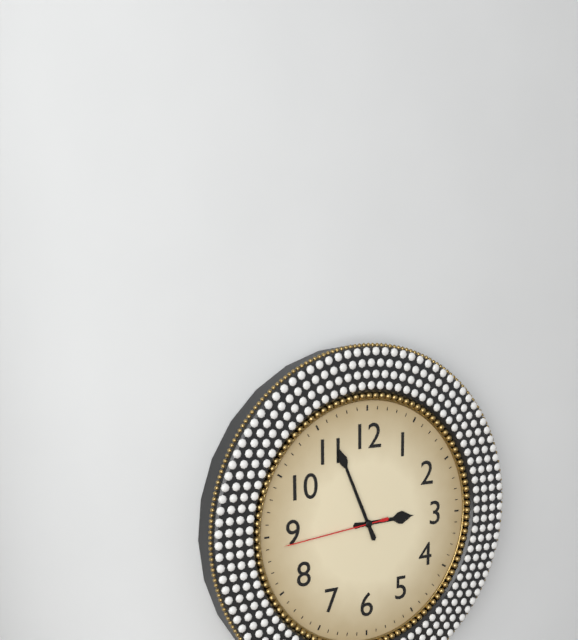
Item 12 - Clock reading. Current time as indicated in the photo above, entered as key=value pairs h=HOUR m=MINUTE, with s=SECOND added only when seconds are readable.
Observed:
h=2 m=56 s=44
